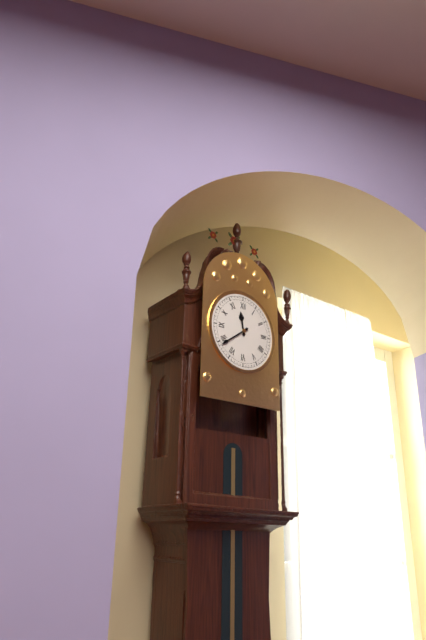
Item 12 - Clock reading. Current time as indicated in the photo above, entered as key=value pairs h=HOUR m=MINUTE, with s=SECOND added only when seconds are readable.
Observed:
h=11 m=39
